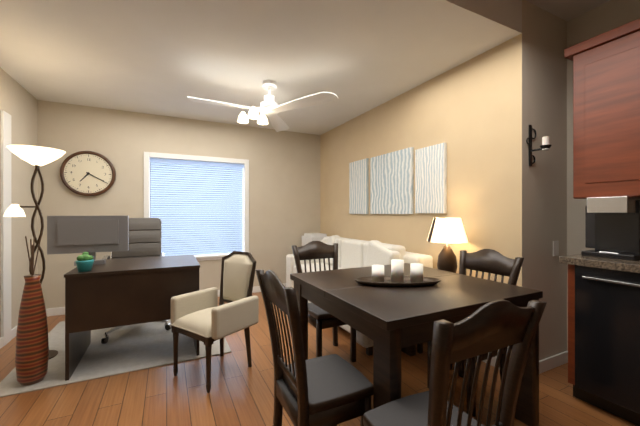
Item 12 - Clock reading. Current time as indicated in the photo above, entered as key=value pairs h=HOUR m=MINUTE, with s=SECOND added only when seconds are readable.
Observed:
h=7 m=20
